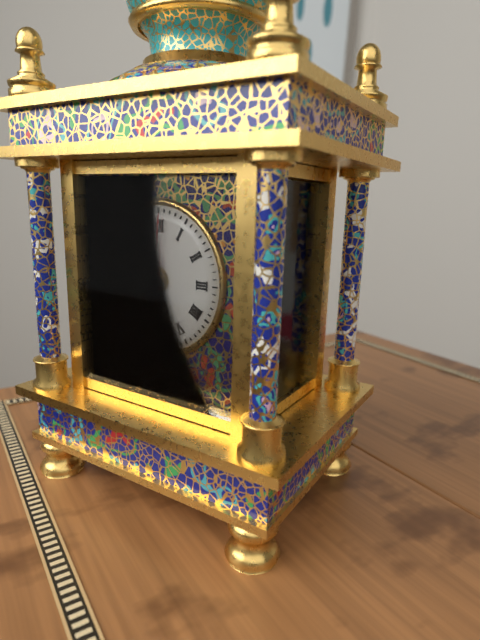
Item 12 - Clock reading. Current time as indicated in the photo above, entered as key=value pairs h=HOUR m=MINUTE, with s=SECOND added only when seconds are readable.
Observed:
h=8 m=52 s=1
